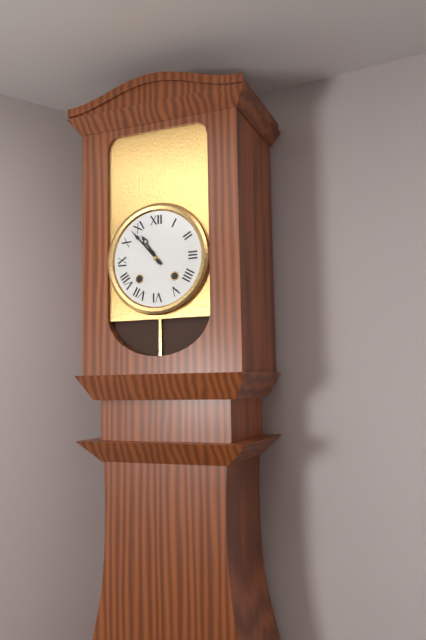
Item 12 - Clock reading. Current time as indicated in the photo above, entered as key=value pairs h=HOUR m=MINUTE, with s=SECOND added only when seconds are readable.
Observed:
h=10 m=53
